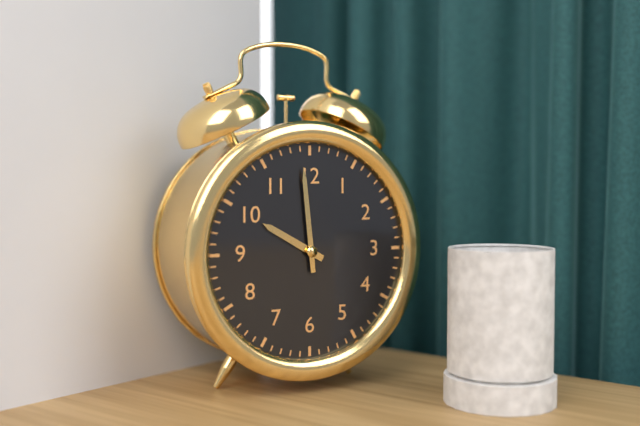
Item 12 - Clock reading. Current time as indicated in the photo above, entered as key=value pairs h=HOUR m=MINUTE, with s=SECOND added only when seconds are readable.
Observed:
h=9 m=59
